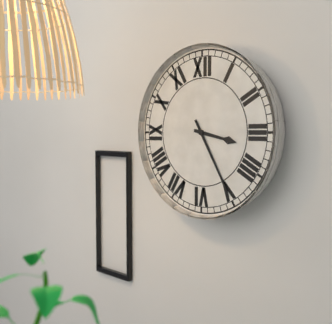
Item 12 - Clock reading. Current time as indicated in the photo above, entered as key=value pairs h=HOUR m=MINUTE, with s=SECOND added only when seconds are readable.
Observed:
h=3 m=25
